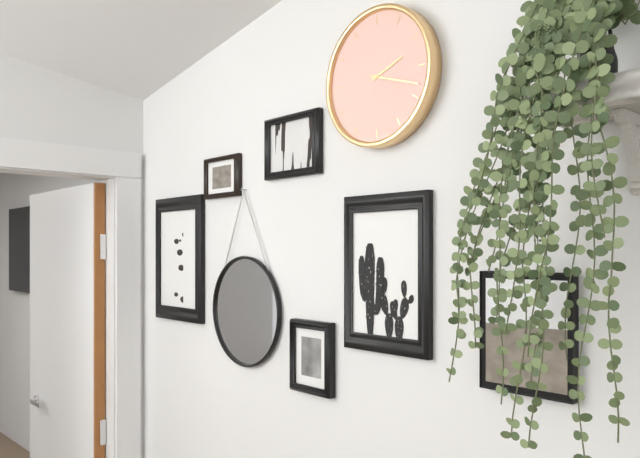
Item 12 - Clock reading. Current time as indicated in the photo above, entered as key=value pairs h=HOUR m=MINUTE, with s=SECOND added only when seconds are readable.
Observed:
h=2 m=18
